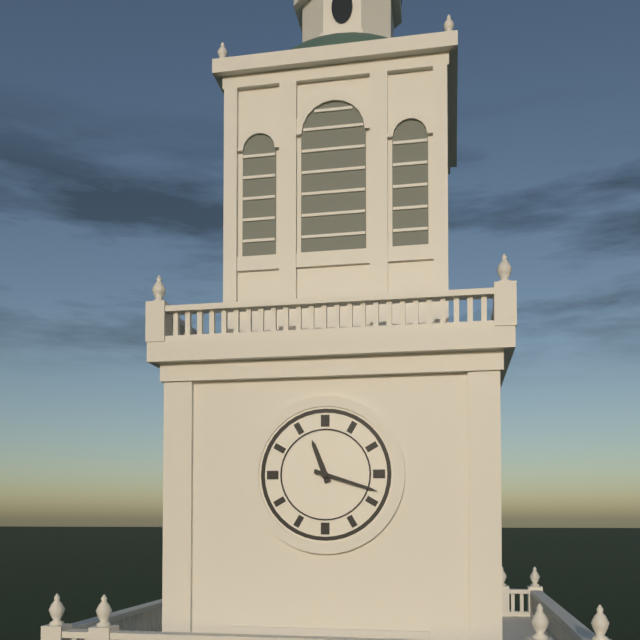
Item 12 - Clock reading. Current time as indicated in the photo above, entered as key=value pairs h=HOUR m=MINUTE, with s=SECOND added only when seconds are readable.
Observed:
h=11 m=18
